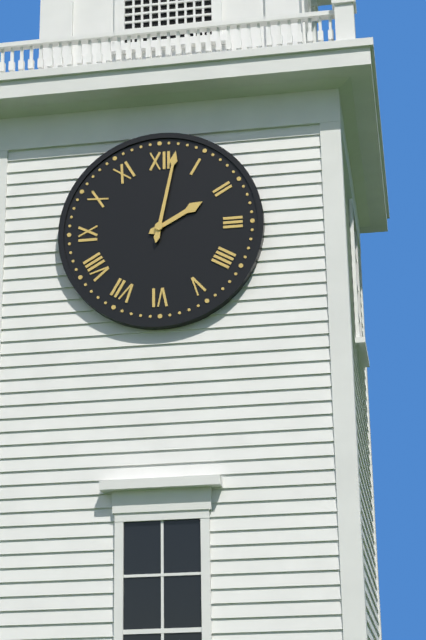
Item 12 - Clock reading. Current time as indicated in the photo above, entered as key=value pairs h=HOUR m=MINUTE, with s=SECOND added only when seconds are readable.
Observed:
h=2 m=2
